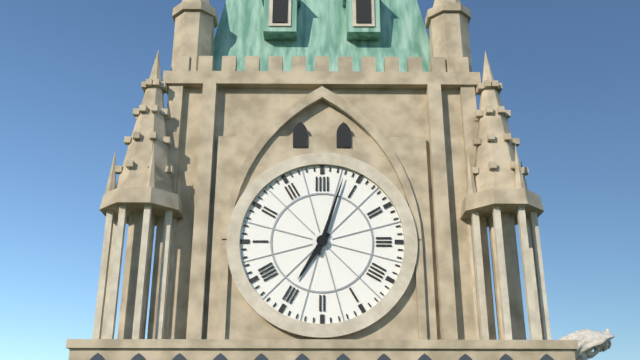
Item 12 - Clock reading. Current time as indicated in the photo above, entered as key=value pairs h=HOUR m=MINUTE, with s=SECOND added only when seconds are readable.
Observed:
h=7 m=3
